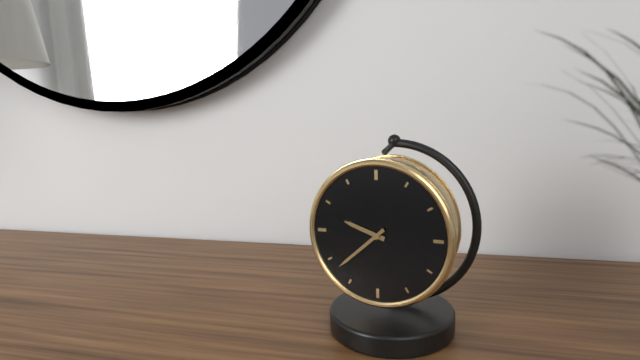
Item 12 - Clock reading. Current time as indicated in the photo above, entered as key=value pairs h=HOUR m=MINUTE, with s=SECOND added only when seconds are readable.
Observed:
h=9 m=38
